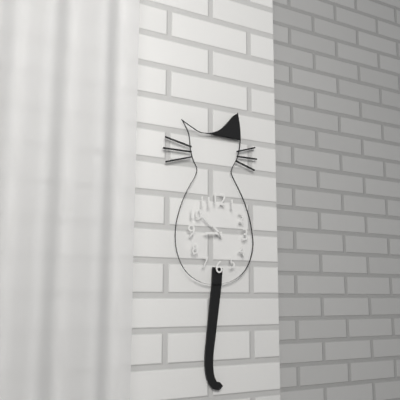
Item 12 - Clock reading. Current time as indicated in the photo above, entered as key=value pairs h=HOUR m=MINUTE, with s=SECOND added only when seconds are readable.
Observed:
h=8 m=52
